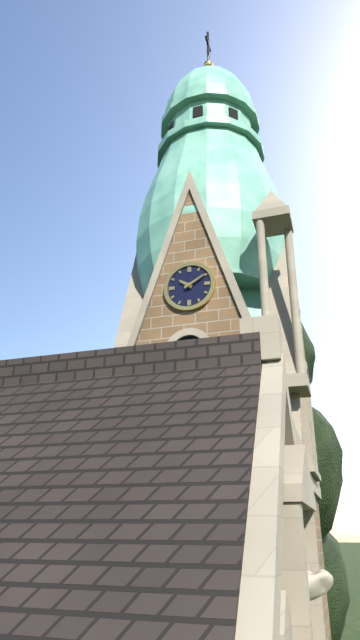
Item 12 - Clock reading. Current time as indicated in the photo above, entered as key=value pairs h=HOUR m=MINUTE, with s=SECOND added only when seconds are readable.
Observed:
h=10 m=10
